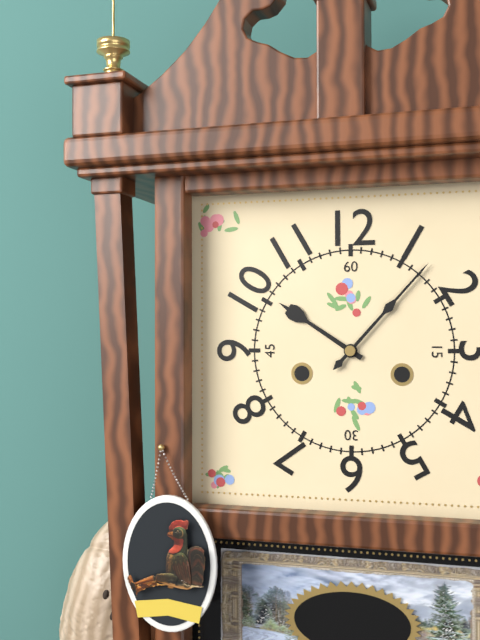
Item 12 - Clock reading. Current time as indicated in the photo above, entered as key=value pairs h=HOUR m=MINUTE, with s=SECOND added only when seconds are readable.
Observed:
h=10 m=7
